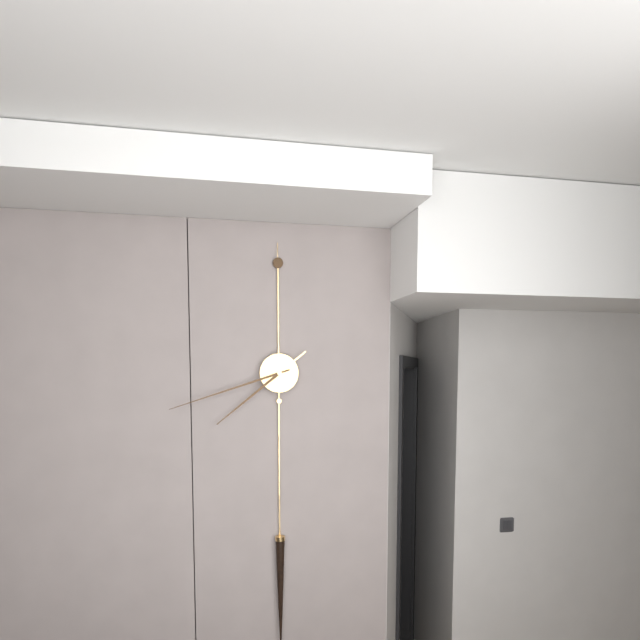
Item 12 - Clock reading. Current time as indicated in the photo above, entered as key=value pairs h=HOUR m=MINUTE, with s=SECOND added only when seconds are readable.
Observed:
h=7 m=42
